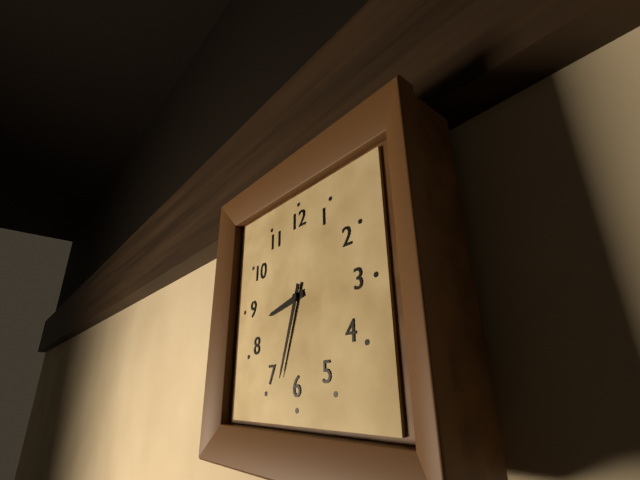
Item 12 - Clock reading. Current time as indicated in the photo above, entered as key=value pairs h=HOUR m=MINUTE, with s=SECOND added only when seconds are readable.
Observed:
h=8 m=33
